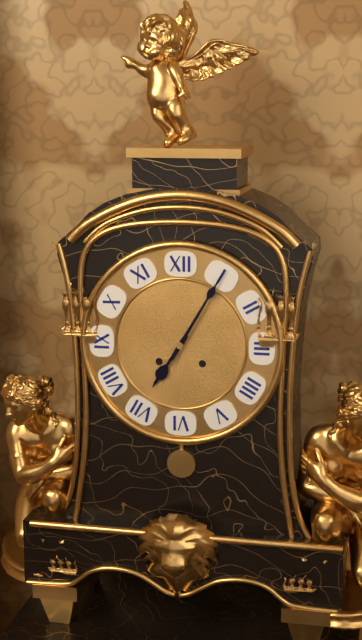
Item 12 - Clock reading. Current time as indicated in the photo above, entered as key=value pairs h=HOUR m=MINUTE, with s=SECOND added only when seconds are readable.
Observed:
h=7 m=5
